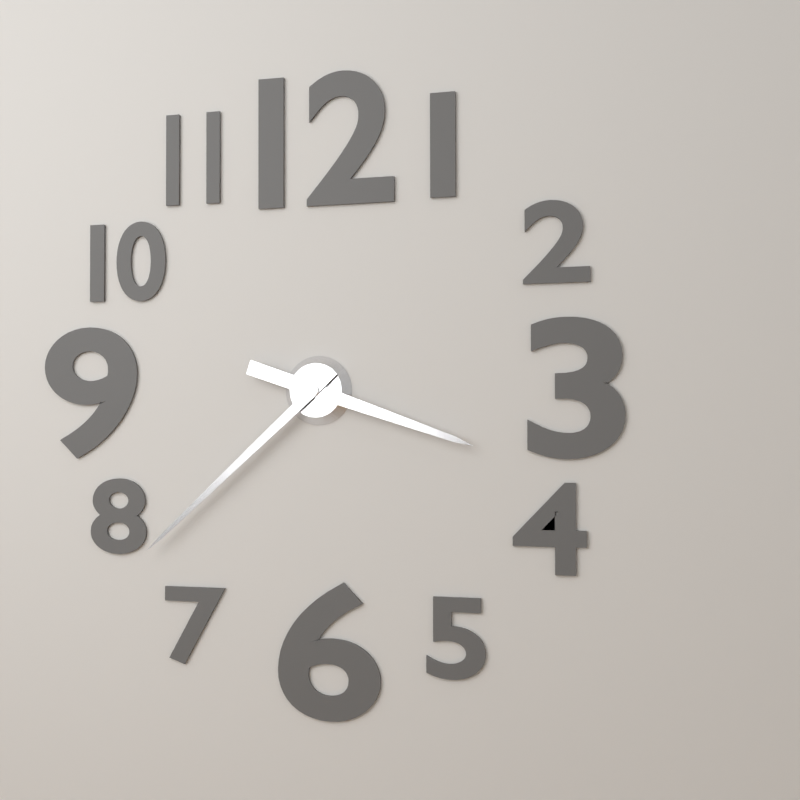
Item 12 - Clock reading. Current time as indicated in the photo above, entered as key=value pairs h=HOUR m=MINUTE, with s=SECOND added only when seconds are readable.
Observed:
h=3 m=38
